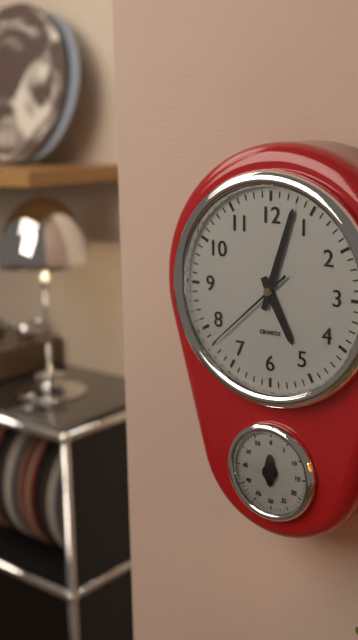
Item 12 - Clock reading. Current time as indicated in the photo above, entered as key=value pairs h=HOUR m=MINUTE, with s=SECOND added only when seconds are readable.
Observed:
h=5 m=3 s=38
